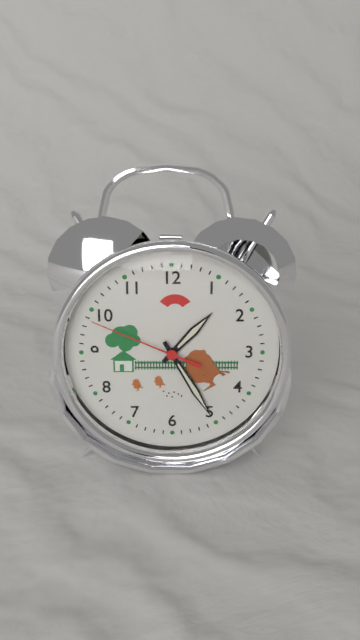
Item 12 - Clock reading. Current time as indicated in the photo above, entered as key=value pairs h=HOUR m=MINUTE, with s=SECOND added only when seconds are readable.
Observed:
h=1 m=25 s=49
